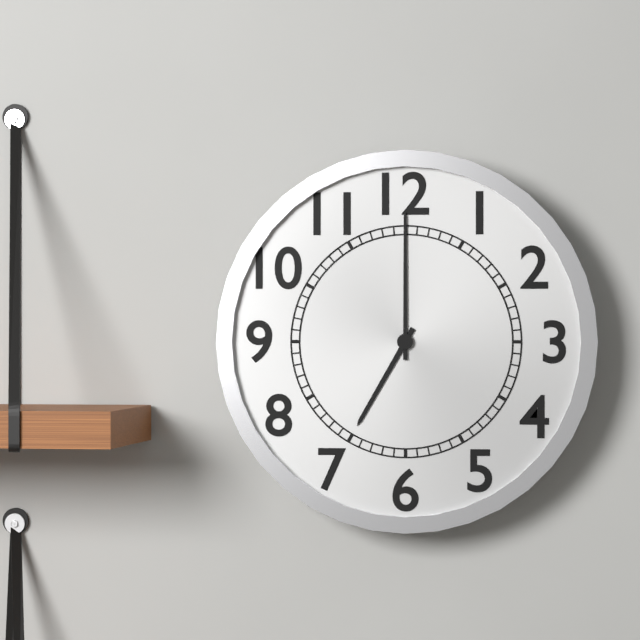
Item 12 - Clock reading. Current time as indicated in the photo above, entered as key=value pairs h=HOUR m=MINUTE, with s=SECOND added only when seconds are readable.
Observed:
h=7 m=0
